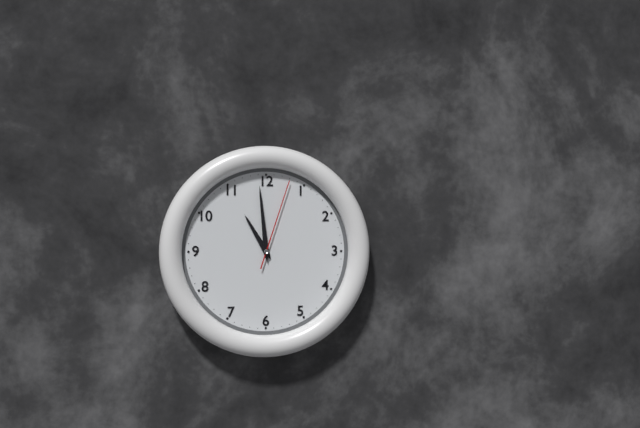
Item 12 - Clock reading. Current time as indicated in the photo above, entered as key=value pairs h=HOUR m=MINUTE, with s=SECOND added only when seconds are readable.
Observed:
h=10 m=59 s=3
